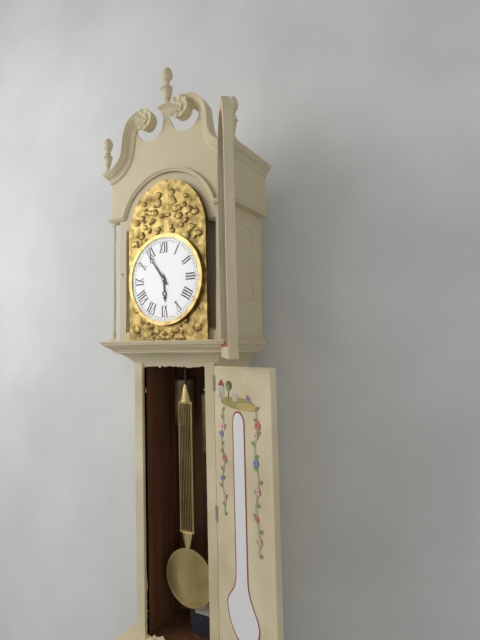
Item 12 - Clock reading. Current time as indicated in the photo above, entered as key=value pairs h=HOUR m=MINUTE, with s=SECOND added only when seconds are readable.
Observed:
h=5 m=54
